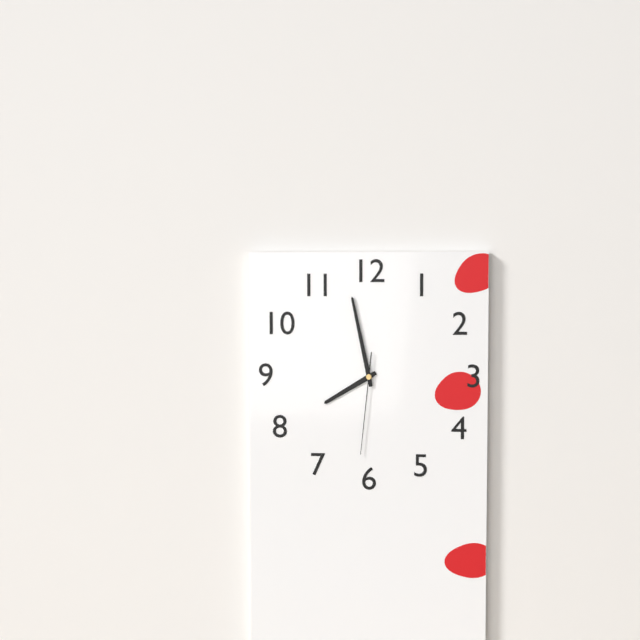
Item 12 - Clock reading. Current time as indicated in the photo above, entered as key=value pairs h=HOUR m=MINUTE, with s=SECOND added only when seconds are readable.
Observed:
h=7 m=58 s=31
